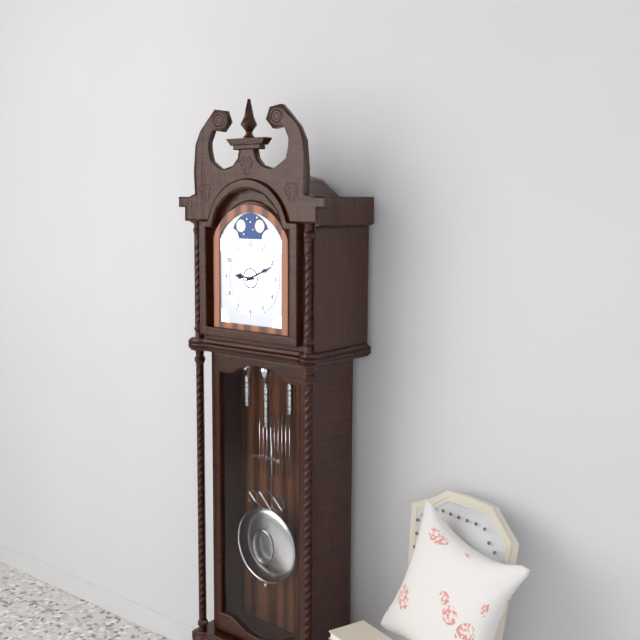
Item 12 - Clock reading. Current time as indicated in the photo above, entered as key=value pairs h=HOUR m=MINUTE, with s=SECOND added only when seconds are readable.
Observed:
h=9 m=11
